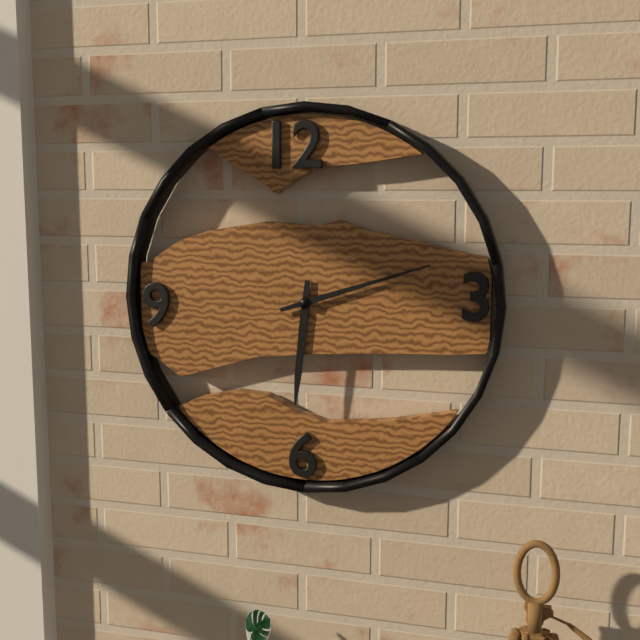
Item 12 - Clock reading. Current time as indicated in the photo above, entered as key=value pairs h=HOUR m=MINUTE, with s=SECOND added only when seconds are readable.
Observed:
h=6 m=12
